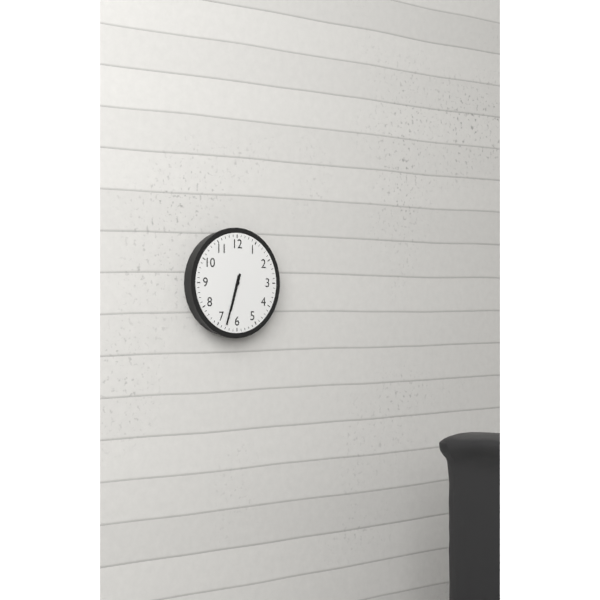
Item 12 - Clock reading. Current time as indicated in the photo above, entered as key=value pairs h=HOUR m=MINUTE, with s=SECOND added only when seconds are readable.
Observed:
h=6 m=33
